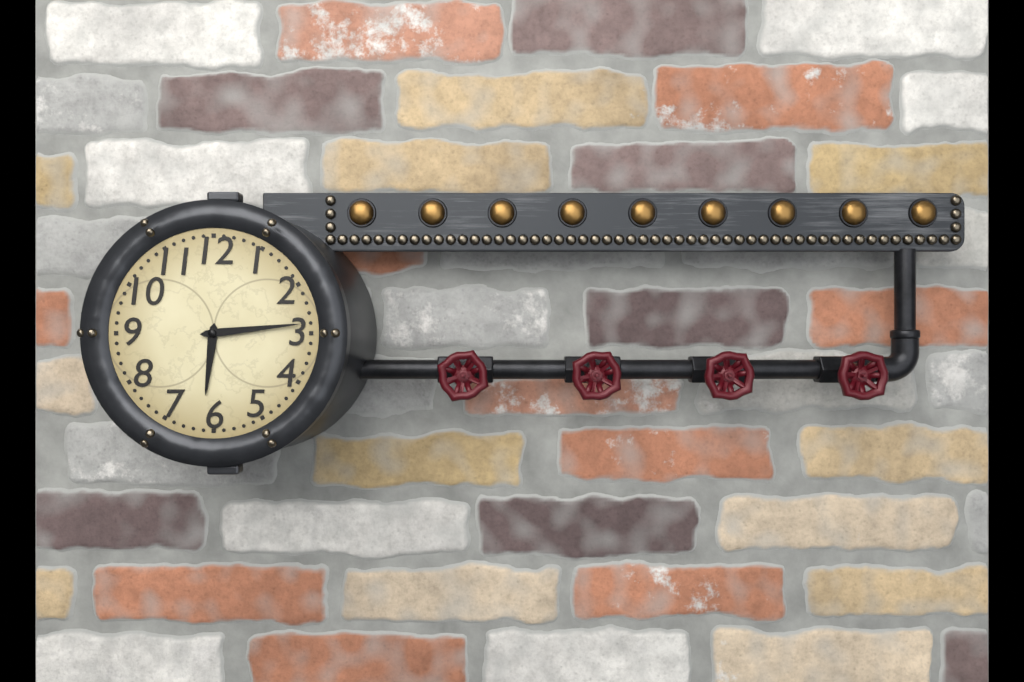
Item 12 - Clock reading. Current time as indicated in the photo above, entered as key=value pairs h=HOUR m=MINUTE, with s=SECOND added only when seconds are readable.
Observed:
h=6 m=14
